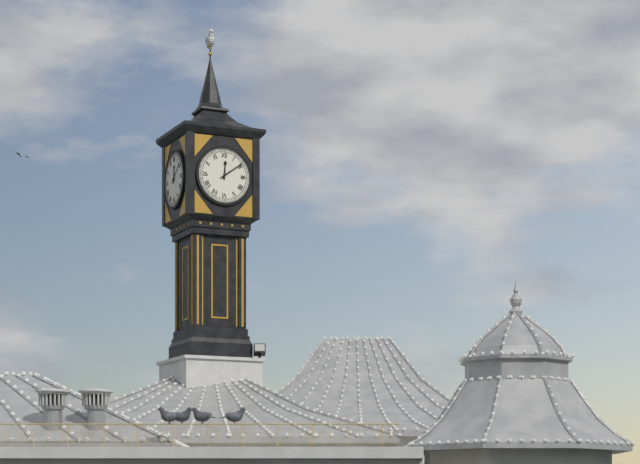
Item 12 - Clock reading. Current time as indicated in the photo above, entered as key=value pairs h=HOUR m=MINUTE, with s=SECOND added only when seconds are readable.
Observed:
h=12 m=9
